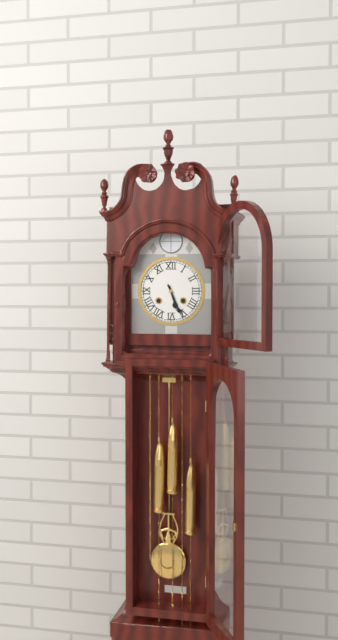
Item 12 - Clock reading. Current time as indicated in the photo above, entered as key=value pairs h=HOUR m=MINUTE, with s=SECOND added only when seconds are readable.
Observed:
h=5 m=26
